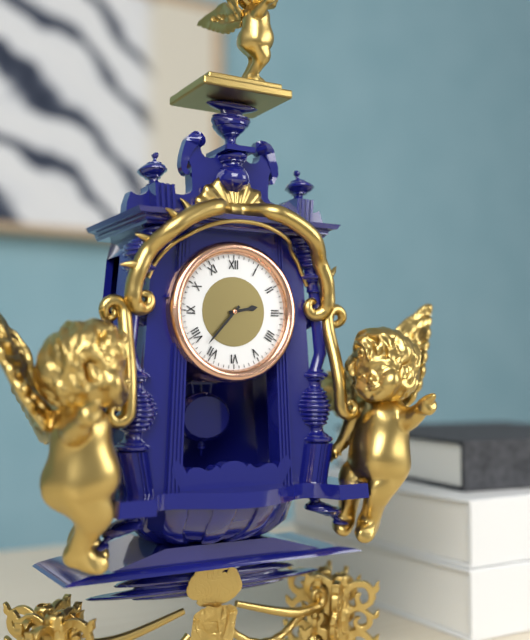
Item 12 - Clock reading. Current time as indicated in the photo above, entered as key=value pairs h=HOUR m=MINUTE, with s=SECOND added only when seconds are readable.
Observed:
h=2 m=37
